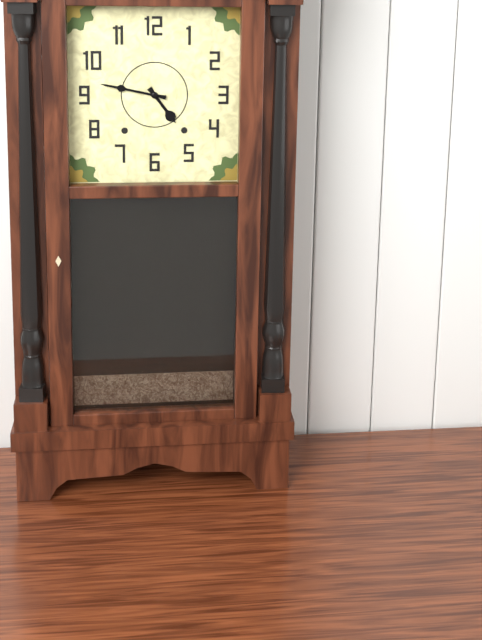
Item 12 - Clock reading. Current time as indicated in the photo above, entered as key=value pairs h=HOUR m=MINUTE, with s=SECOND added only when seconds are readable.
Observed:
h=4 m=47
